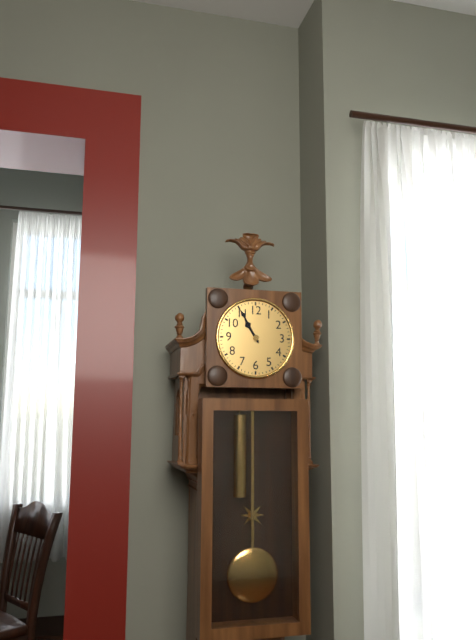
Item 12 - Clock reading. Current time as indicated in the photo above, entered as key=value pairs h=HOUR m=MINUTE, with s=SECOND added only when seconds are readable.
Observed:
h=10 m=55
